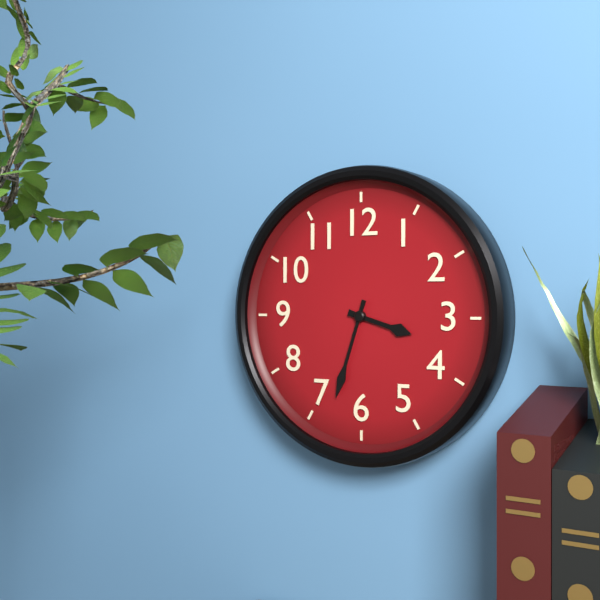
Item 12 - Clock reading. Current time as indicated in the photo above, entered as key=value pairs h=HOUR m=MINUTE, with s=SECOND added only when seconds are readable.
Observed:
h=3 m=33
